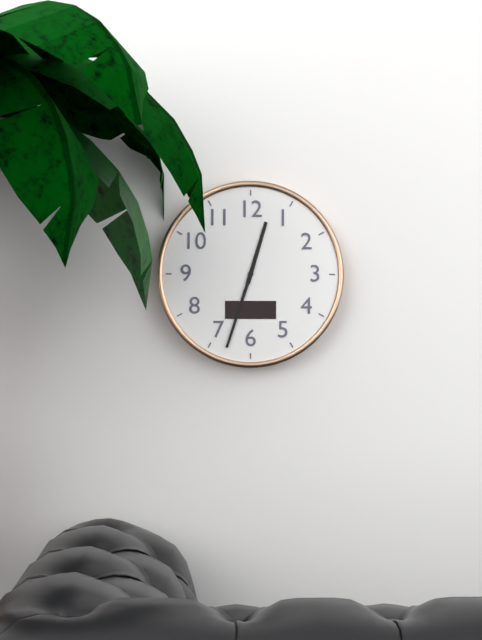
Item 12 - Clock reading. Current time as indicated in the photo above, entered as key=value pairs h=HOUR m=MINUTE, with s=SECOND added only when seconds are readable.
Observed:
h=12 m=33
